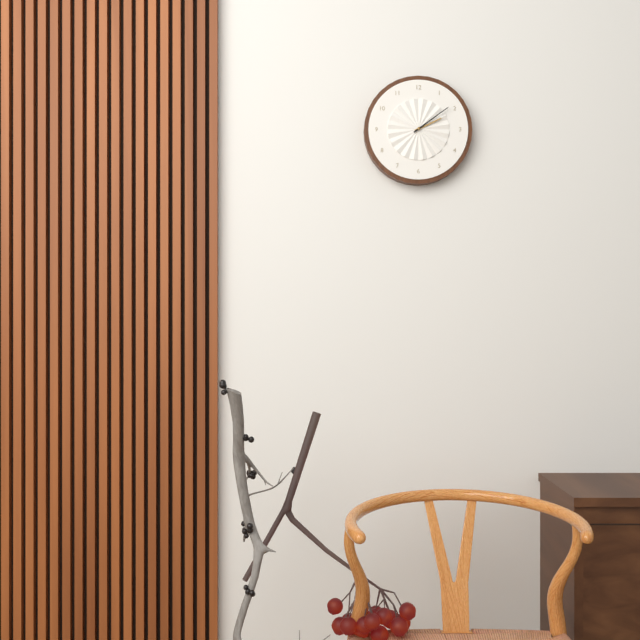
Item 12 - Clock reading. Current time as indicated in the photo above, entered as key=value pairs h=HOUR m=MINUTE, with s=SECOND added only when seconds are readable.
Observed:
h=2 m=9
